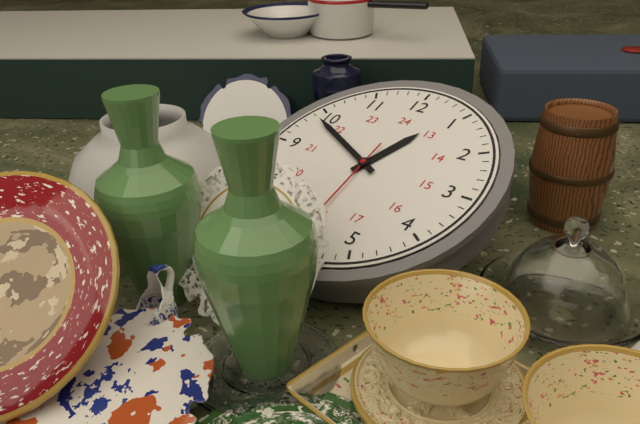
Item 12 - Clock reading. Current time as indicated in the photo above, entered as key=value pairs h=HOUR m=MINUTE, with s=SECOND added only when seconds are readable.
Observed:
h=12 m=49
